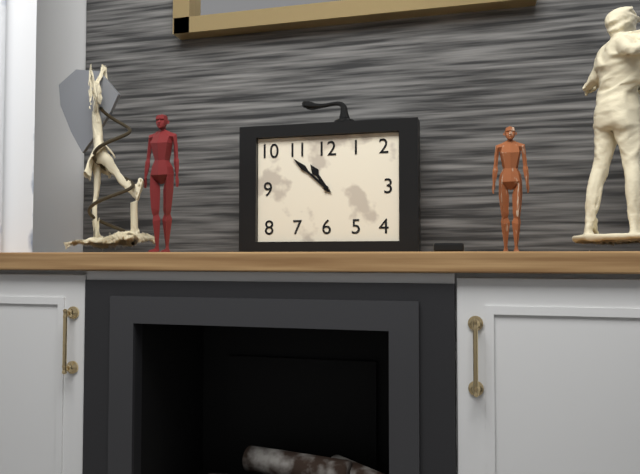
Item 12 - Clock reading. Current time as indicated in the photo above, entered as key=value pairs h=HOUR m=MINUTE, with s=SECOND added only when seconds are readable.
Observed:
h=10 m=52
